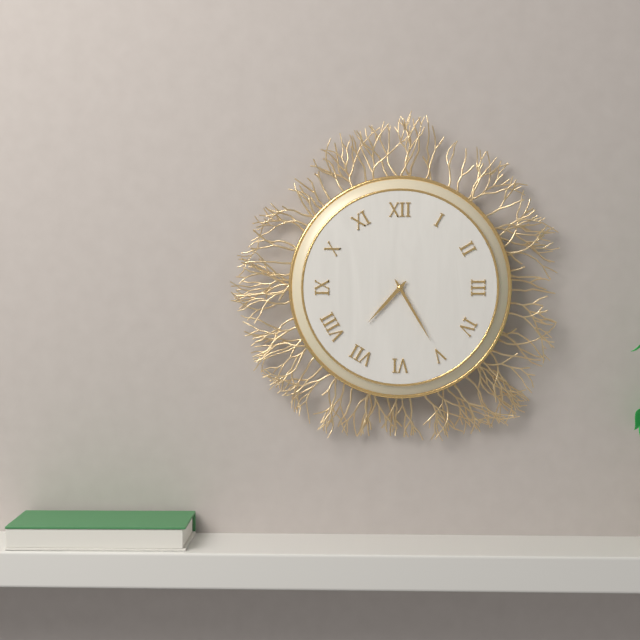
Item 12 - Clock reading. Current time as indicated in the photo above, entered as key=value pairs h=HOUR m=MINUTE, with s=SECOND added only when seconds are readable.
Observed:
h=7 m=25
